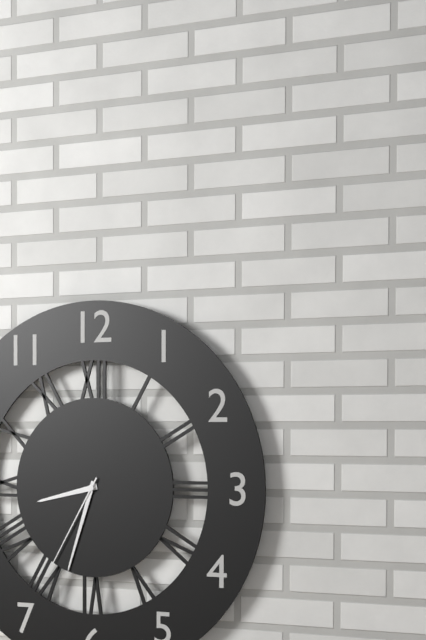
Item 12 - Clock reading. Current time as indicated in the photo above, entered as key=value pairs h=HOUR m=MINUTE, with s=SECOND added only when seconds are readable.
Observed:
h=8 m=33 s=35
